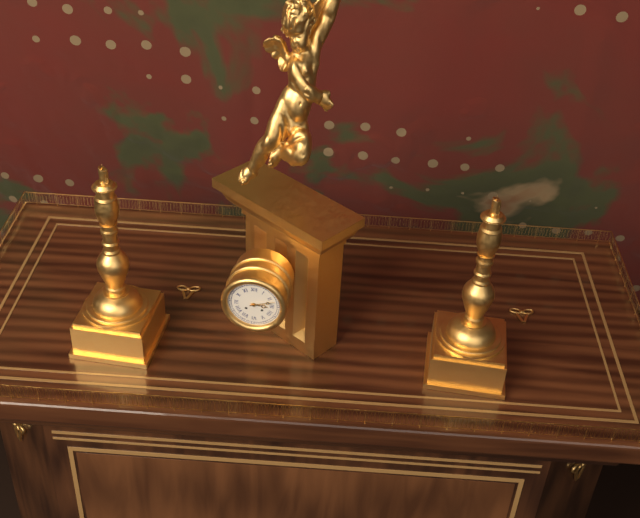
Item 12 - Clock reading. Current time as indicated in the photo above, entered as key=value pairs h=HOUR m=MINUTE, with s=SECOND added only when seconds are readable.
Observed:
h=3 m=12
